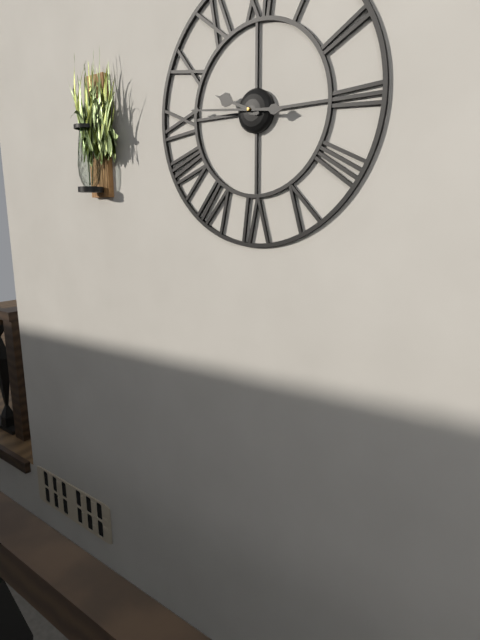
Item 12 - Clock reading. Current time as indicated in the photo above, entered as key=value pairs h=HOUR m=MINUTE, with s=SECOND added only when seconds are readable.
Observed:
h=9 m=46
